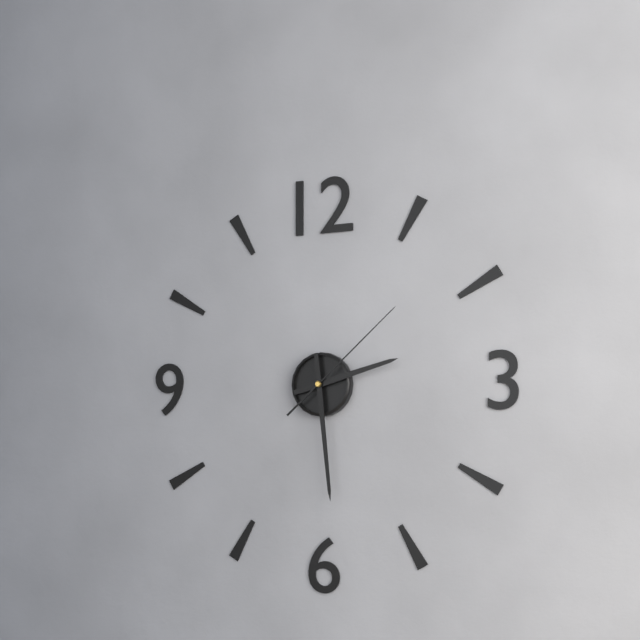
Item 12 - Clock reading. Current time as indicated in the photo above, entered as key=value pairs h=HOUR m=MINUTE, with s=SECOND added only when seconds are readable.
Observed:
h=2 m=29 s=8
